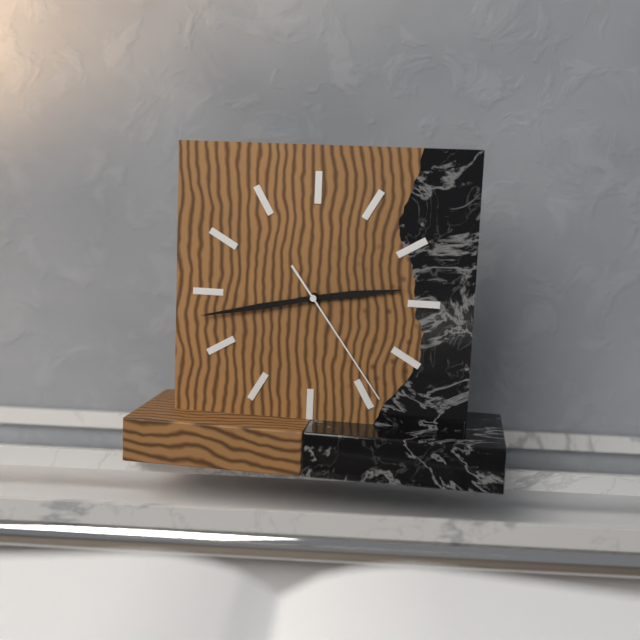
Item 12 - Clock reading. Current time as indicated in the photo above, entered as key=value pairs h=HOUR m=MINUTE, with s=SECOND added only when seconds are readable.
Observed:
h=2 m=43 s=24
